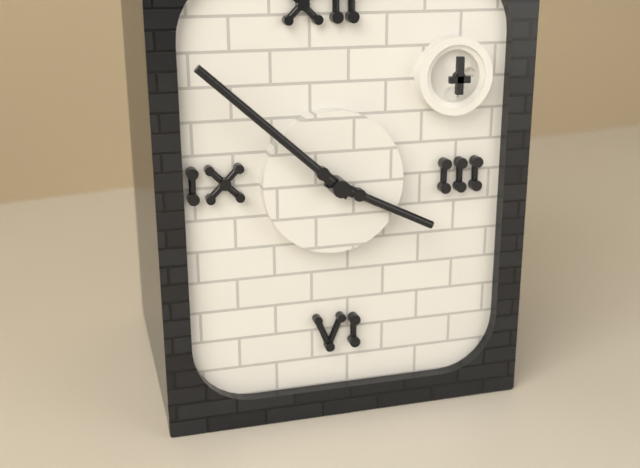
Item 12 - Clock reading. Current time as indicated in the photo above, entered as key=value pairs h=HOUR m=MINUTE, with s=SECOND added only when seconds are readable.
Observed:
h=3 m=52
